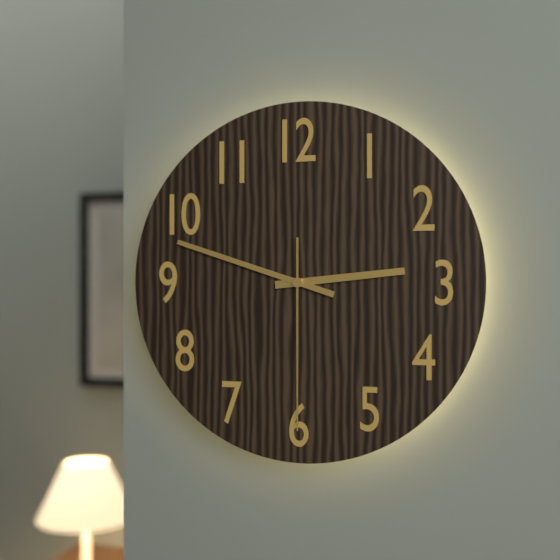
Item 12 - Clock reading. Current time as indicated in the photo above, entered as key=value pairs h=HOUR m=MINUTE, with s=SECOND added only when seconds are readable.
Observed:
h=2 m=48 s=30
